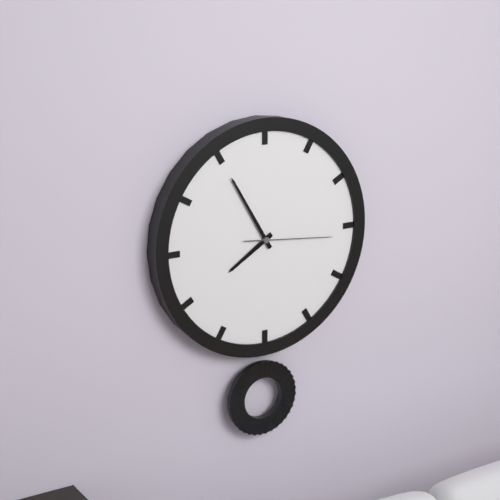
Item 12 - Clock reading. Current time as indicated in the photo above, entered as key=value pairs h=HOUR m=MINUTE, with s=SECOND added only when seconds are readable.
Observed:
h=7 m=55 s=16
